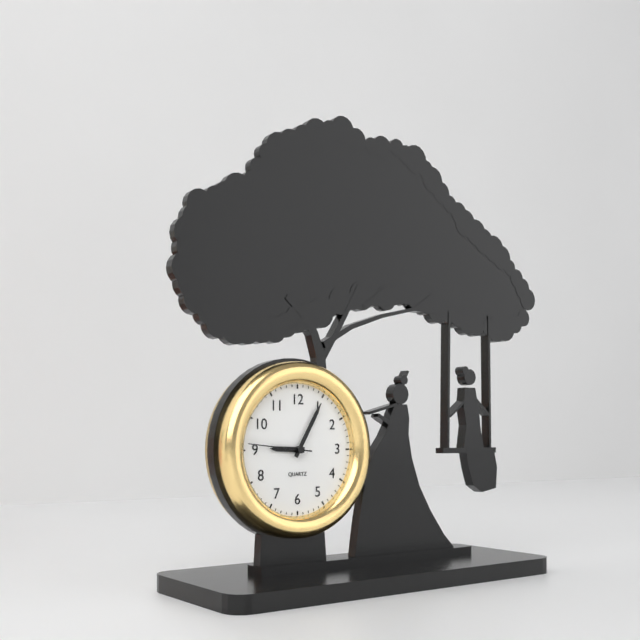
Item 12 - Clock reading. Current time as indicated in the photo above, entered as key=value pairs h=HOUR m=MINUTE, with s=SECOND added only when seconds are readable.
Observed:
h=9 m=5 s=46
